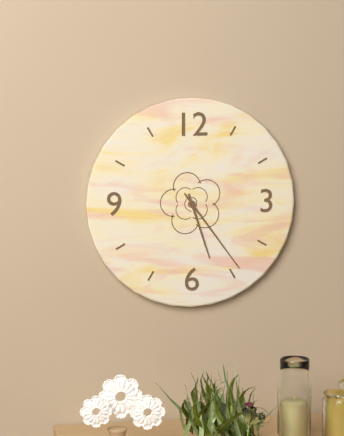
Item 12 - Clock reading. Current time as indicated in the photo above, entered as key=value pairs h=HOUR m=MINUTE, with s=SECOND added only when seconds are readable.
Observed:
h=5 m=24
